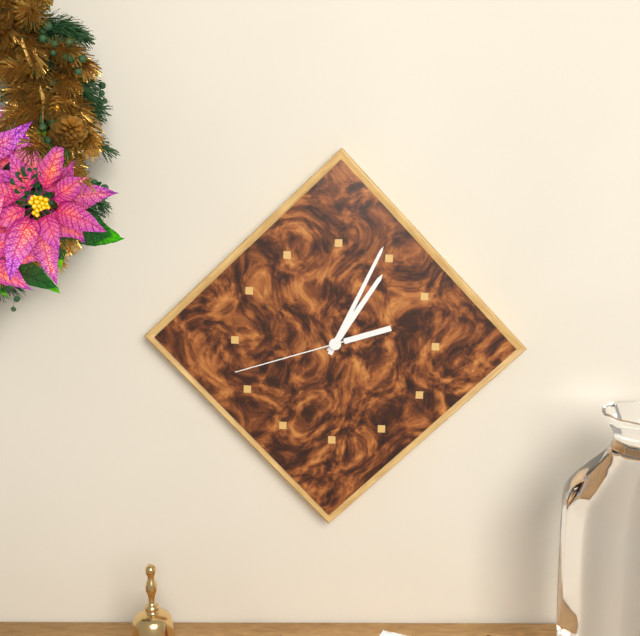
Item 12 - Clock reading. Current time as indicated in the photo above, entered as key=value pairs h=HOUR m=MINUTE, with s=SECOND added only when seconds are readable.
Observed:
h=1 m=4 s=42
